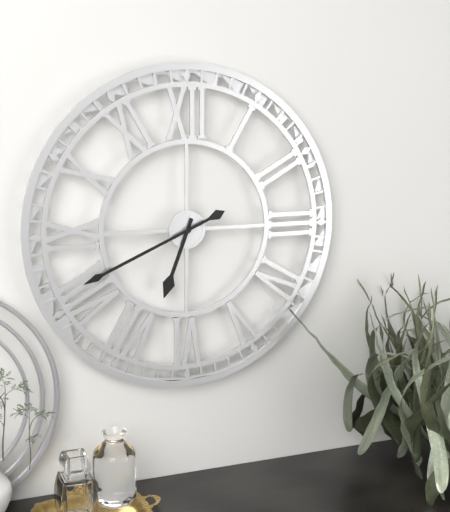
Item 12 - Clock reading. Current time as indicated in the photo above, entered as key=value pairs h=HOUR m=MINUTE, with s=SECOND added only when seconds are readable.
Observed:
h=6 m=41
